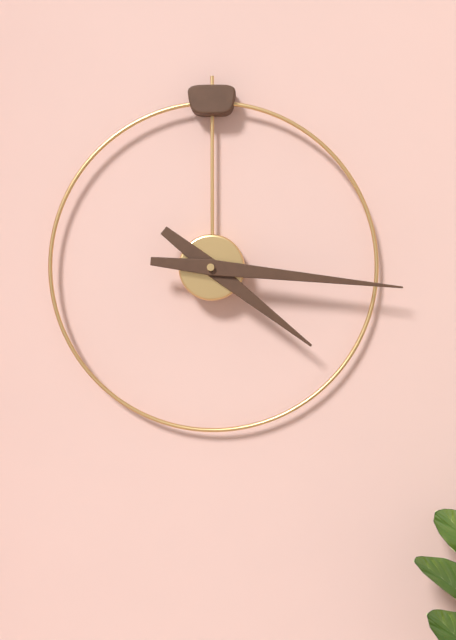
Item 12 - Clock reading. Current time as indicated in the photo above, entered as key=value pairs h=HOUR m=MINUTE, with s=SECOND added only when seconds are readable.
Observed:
h=4 m=16
